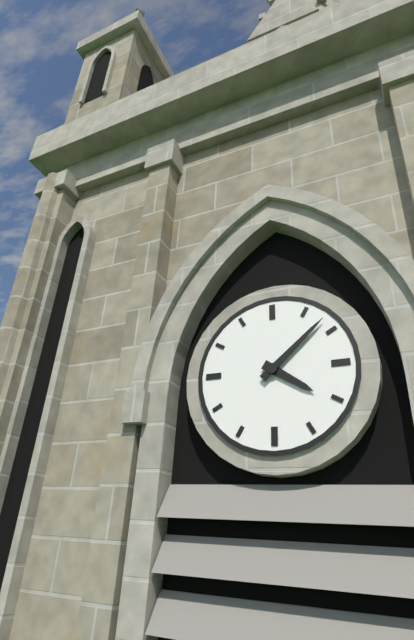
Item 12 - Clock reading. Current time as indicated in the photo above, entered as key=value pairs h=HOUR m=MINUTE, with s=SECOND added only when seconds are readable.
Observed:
h=4 m=8
